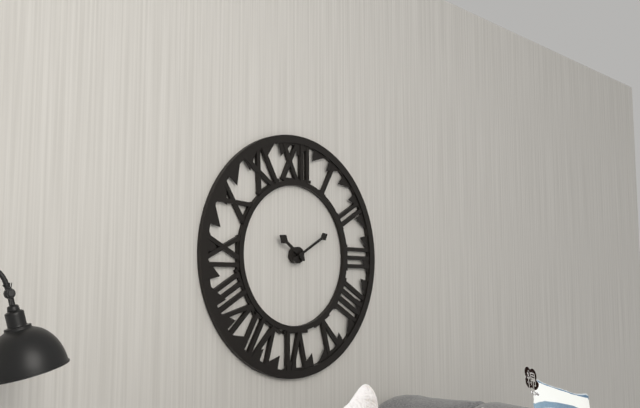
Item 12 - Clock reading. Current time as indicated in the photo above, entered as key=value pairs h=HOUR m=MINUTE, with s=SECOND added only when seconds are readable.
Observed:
h=10 m=10
